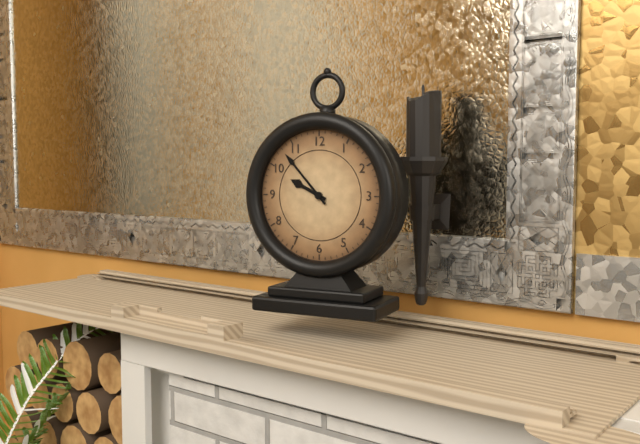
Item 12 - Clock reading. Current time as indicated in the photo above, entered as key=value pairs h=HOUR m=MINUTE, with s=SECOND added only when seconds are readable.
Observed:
h=9 m=53
